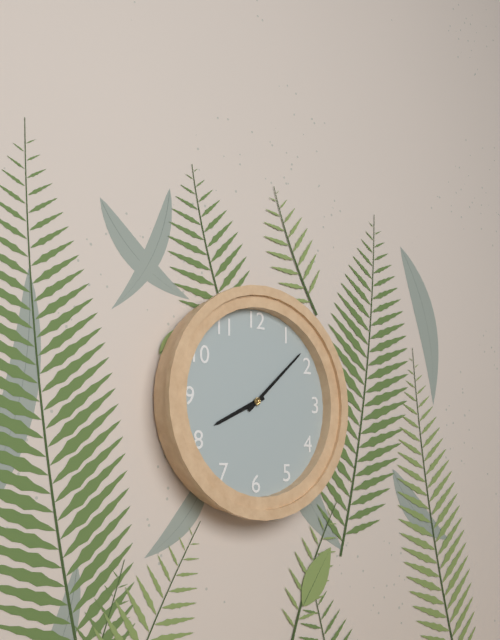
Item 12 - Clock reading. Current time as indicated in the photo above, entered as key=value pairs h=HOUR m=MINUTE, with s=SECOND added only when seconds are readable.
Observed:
h=8 m=8
